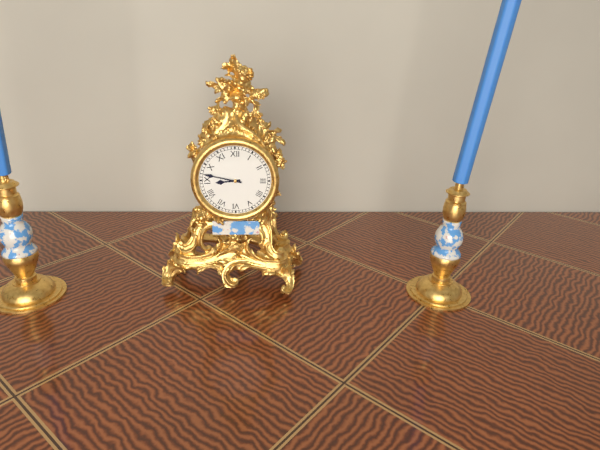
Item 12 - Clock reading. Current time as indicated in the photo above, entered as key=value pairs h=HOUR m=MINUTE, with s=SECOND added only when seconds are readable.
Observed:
h=8 m=47
